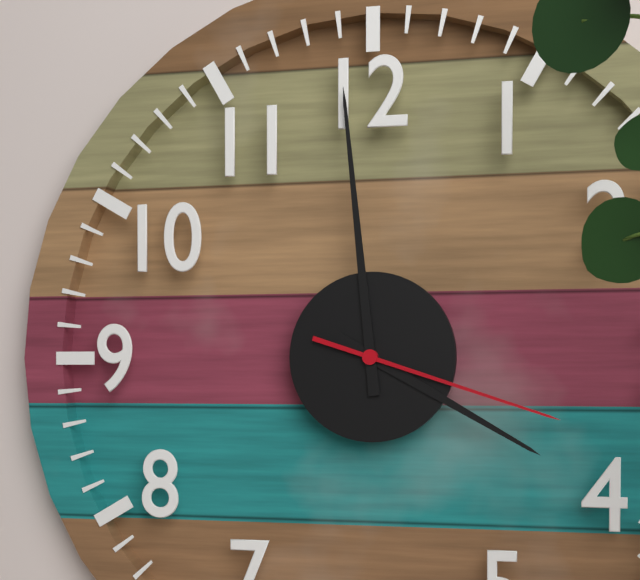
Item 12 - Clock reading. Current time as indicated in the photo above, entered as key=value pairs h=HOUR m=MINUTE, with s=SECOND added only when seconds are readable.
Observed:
h=3 m=59 s=18
